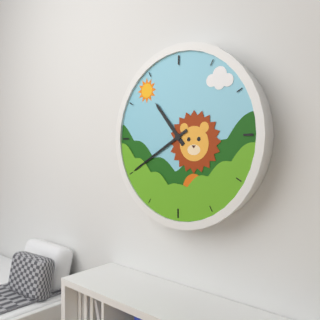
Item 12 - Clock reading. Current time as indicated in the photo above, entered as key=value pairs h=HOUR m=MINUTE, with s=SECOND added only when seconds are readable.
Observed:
h=10 m=40
